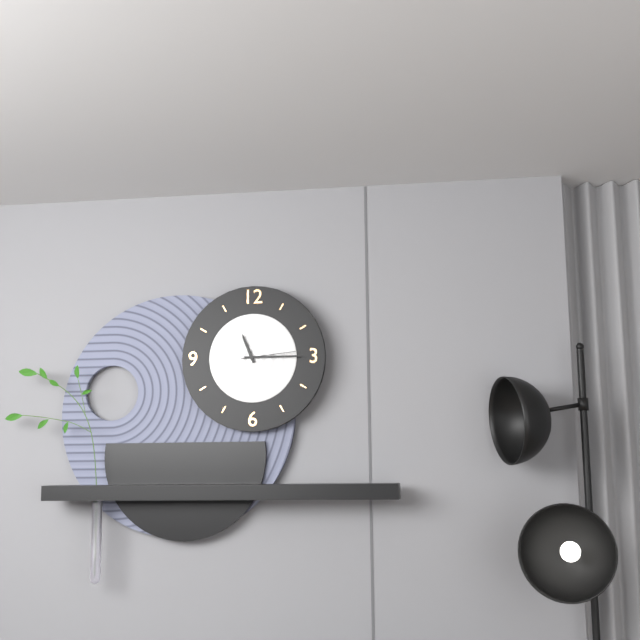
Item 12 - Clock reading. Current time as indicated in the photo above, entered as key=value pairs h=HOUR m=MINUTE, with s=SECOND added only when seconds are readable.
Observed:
h=11 m=15 s=14
